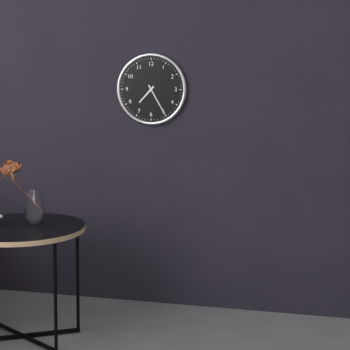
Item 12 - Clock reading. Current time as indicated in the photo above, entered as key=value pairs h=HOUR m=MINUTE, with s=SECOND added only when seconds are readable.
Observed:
h=7 m=25
